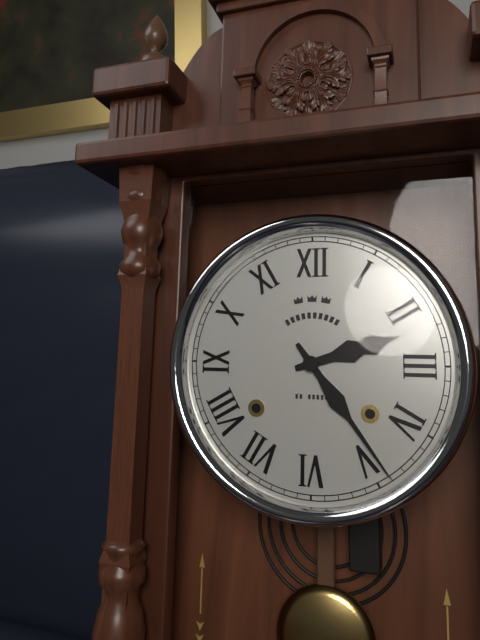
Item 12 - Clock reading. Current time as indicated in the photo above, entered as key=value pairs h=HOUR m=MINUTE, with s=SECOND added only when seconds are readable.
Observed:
h=2 m=24
